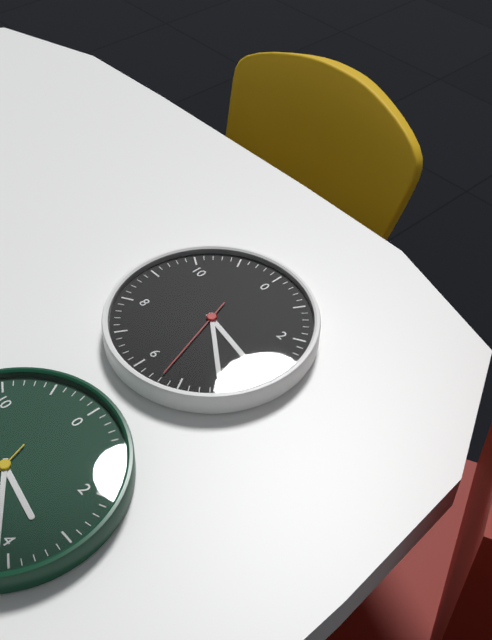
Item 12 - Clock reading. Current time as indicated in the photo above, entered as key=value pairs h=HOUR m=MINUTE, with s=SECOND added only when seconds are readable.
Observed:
h=3 m=21 s=27
